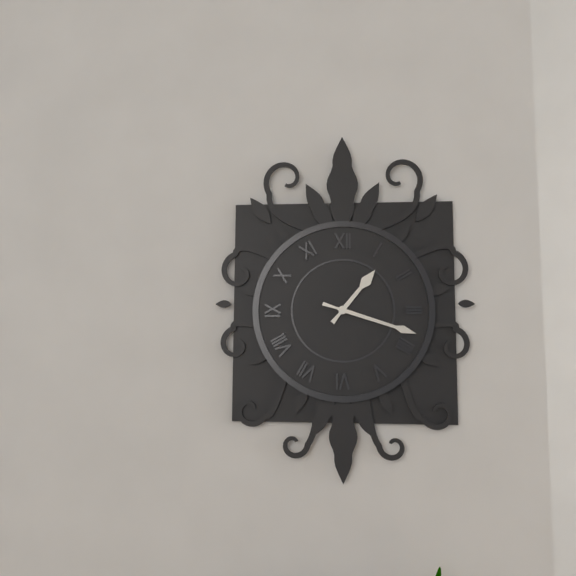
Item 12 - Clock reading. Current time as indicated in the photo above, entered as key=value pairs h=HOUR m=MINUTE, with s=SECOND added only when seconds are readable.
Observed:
h=1 m=18
